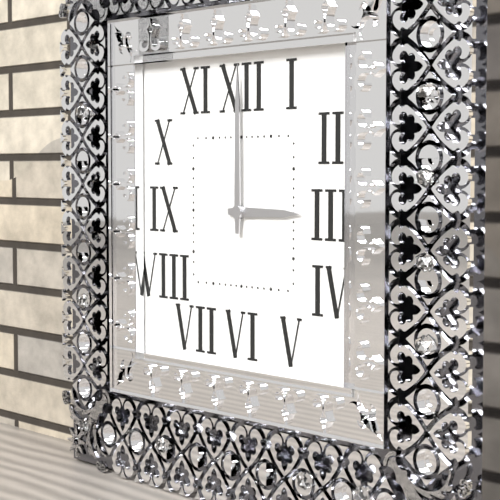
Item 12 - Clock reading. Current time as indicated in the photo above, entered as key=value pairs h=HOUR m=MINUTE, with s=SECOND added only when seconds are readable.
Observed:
h=3 m=0
